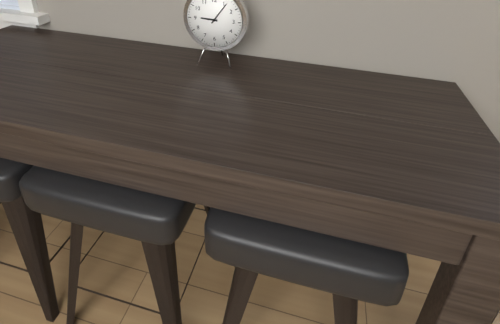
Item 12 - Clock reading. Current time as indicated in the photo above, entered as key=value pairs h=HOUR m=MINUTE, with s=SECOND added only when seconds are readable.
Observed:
h=9 m=6
